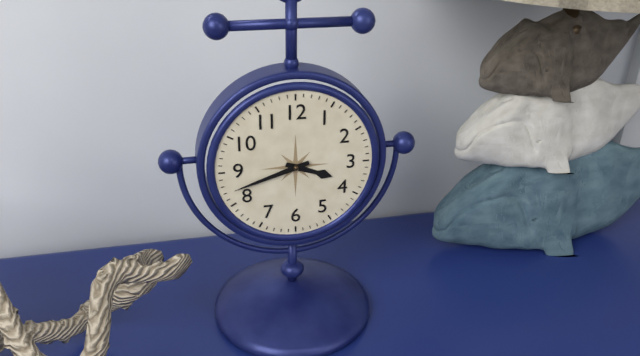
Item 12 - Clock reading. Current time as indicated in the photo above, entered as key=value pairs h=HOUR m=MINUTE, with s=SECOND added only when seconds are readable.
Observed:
h=3 m=42
